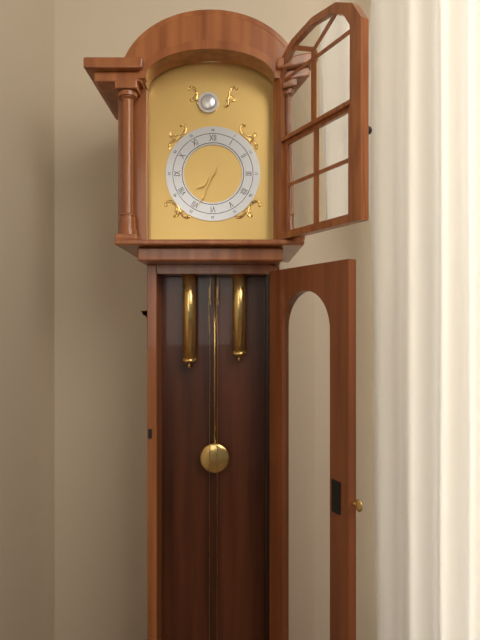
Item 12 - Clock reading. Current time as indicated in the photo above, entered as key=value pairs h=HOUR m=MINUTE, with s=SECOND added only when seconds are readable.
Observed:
h=7 m=34
